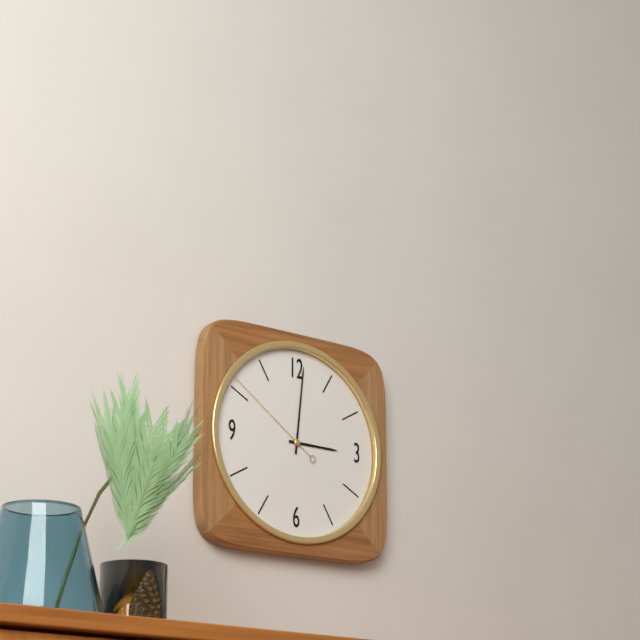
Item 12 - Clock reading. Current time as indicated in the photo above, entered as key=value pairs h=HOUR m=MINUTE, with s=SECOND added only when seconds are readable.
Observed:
h=3 m=1 s=51
